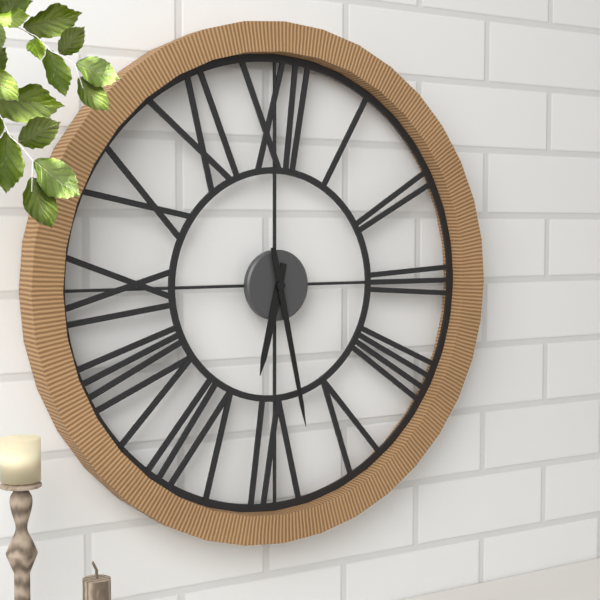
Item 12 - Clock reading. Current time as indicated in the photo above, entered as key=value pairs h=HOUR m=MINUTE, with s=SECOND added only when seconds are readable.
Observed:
h=6 m=28
